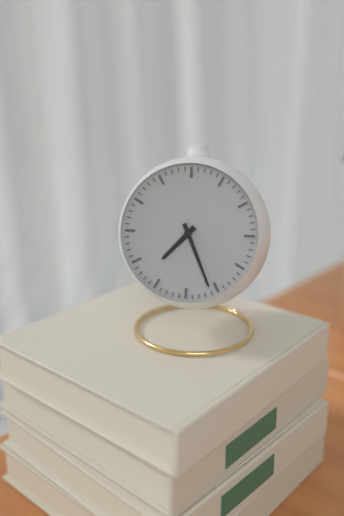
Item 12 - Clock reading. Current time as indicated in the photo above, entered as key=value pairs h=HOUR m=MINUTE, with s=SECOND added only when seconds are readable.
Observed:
h=7 m=26
